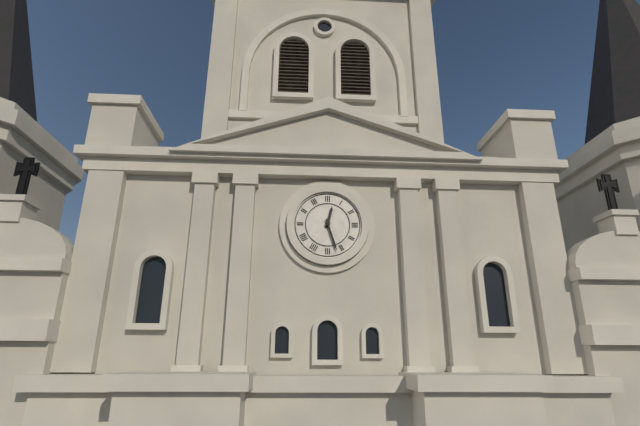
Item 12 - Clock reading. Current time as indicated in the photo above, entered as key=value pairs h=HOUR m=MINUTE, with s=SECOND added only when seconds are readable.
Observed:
h=12 m=27
